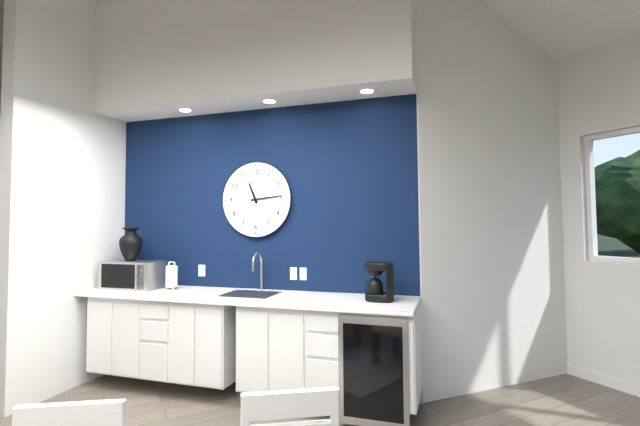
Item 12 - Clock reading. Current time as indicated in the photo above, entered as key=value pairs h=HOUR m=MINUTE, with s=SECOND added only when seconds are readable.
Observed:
h=11 m=14
